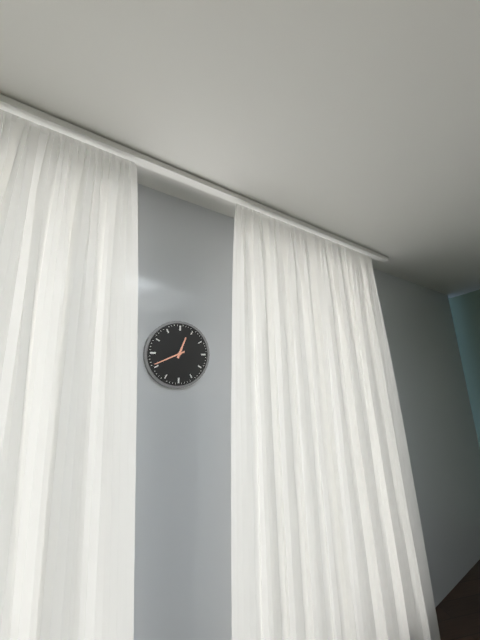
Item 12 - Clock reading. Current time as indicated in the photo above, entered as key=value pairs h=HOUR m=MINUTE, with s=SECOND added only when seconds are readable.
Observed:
h=12 m=41
